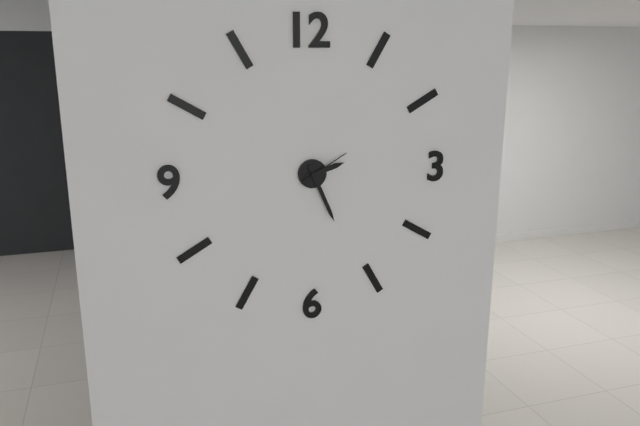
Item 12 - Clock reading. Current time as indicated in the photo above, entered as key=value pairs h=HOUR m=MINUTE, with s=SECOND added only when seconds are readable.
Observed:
h=2 m=26
